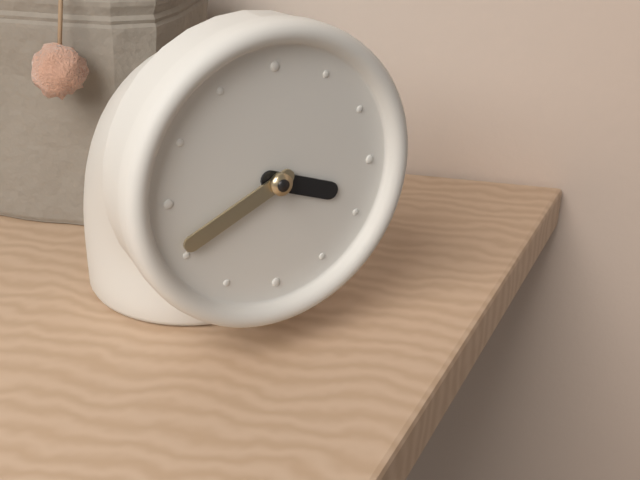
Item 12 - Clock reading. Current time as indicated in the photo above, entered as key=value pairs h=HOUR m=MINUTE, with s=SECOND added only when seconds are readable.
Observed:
h=3 m=41
